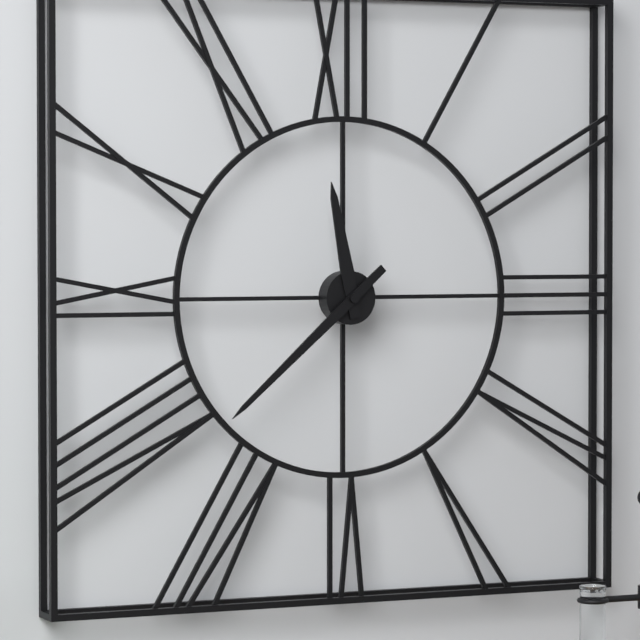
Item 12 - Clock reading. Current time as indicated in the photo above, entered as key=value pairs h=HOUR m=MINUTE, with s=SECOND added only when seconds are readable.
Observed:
h=11 m=38
